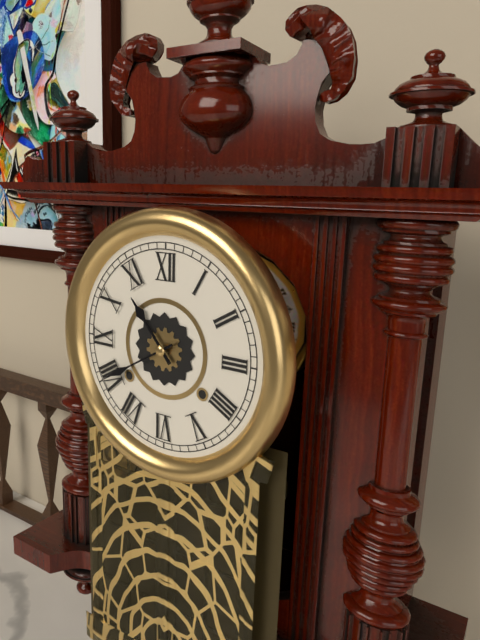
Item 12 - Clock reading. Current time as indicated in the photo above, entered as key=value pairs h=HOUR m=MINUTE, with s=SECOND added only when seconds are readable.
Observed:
h=10 m=40
